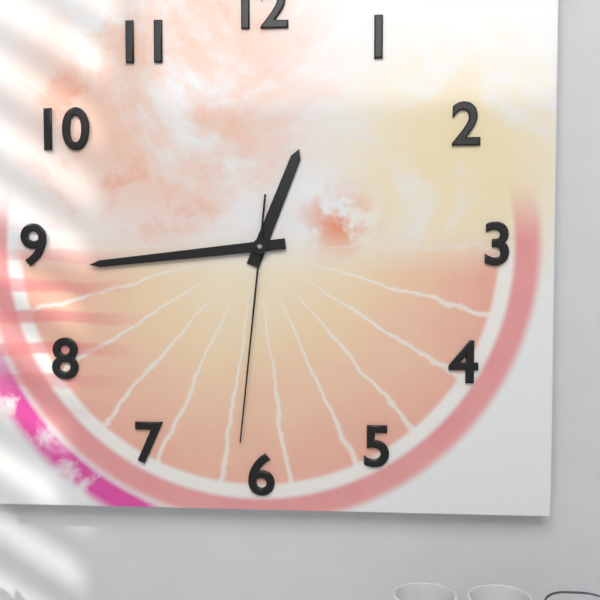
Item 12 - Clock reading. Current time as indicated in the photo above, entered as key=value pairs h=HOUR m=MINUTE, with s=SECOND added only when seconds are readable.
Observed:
h=12 m=44 s=31
